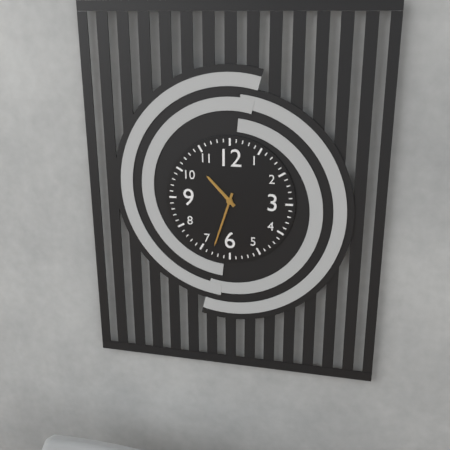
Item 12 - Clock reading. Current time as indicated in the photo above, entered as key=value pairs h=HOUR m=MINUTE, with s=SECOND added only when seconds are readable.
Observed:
h=10 m=33
